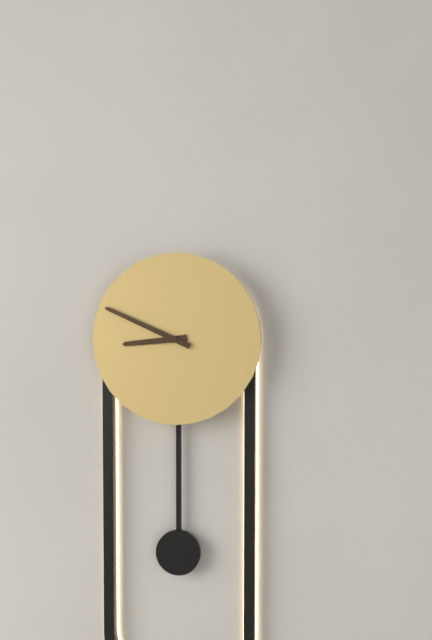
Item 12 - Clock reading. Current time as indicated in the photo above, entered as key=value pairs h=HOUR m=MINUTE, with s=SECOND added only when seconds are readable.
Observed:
h=8 m=49
